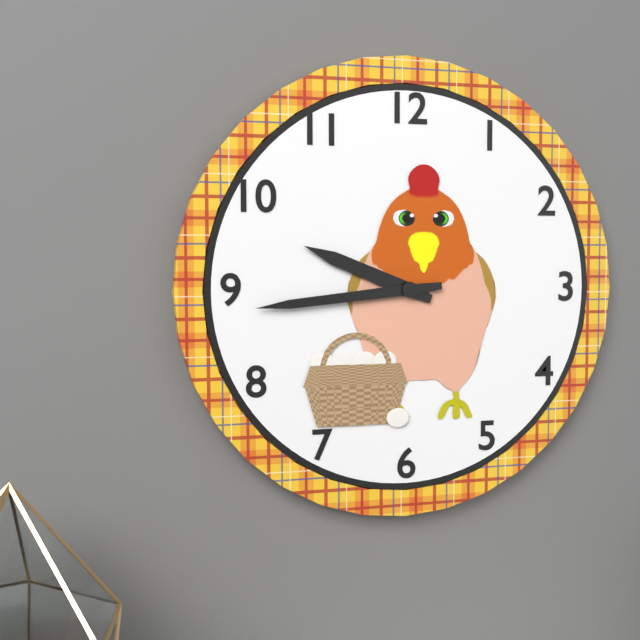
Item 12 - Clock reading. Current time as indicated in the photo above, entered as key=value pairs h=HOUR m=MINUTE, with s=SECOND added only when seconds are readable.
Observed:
h=9 m=44
